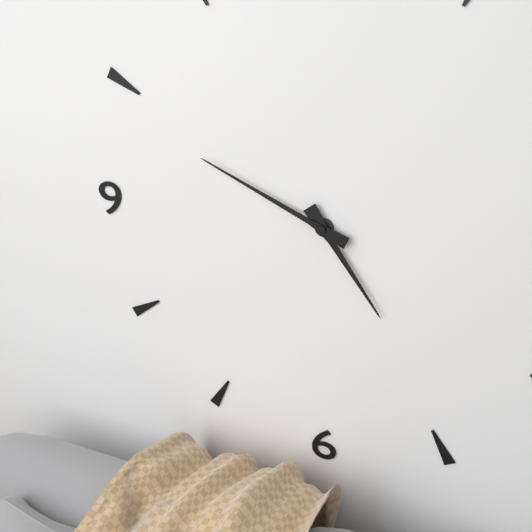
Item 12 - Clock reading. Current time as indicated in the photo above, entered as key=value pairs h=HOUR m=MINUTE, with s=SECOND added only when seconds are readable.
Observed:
h=4 m=49
